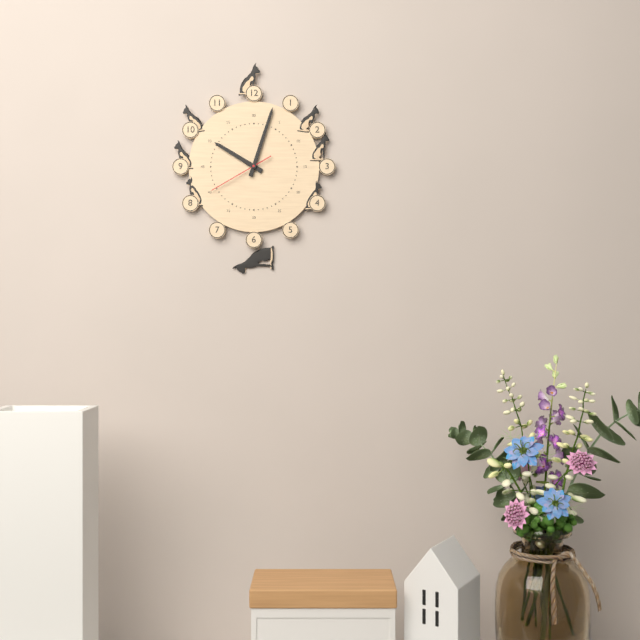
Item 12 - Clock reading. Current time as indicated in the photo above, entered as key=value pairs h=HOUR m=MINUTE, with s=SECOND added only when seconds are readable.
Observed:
h=10 m=3 s=40
